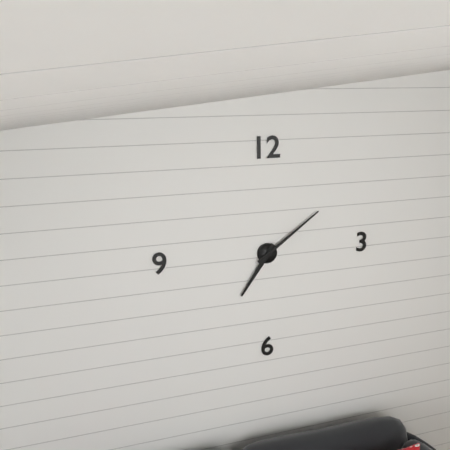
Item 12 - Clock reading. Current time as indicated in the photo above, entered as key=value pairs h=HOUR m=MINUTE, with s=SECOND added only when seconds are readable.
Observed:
h=7 m=9
